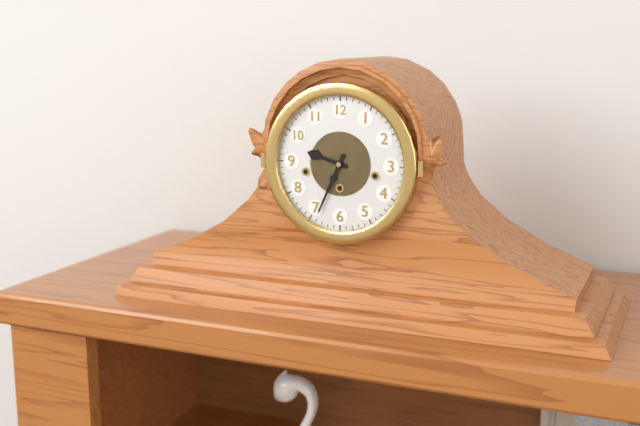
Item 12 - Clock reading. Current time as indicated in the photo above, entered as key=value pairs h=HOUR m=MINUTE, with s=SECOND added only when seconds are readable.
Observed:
h=9 m=34
